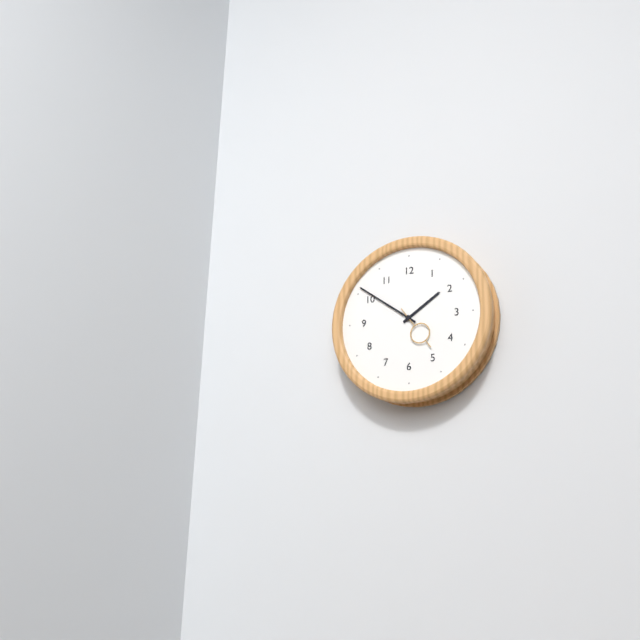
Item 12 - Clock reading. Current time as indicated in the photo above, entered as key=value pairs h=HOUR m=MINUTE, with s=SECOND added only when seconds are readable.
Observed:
h=1 m=51
